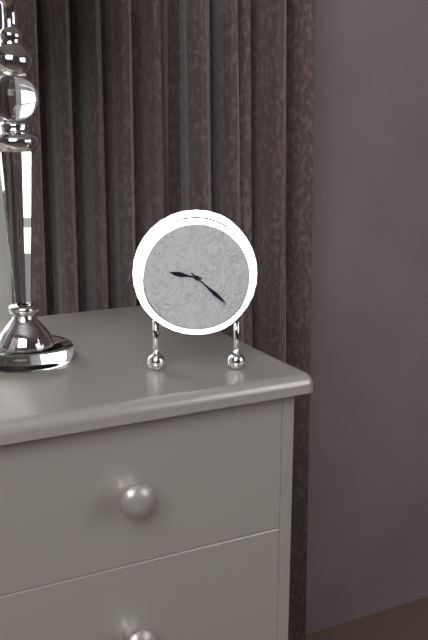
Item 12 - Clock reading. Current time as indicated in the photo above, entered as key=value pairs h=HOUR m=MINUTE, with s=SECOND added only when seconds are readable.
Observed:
h=9 m=22
